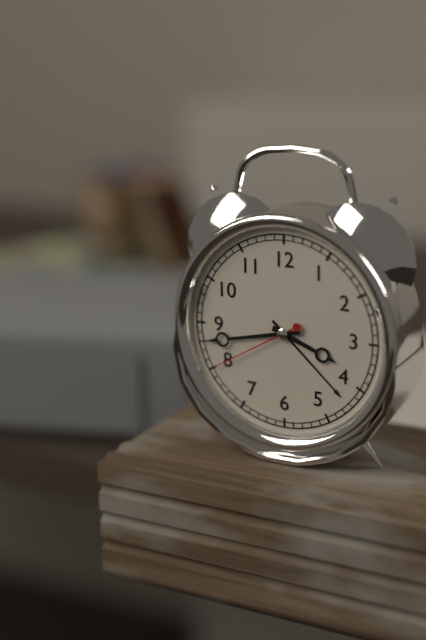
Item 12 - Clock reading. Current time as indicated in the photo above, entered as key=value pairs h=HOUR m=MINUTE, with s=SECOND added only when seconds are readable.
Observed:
h=3 m=43 s=40
